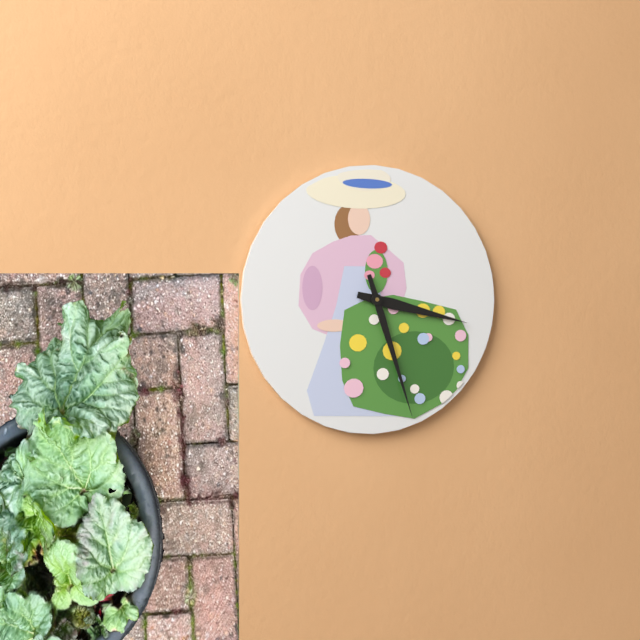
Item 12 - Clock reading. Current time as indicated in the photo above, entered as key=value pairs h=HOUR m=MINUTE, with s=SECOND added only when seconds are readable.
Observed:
h=3 m=27
